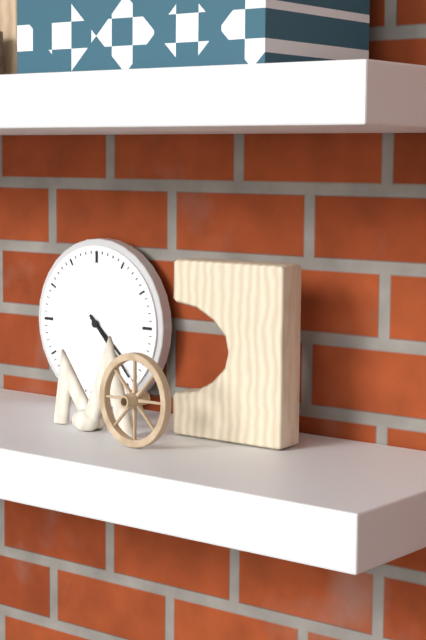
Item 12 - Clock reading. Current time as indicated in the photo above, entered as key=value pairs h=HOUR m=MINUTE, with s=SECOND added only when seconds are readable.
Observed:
h=4 m=23
